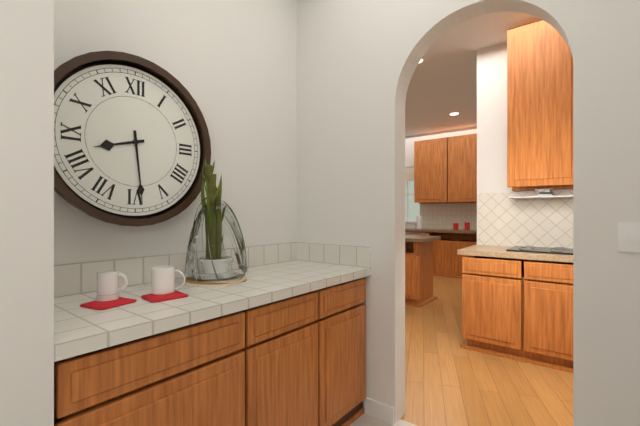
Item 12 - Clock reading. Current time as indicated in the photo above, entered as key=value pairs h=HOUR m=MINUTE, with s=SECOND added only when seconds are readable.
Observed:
h=8 m=29
